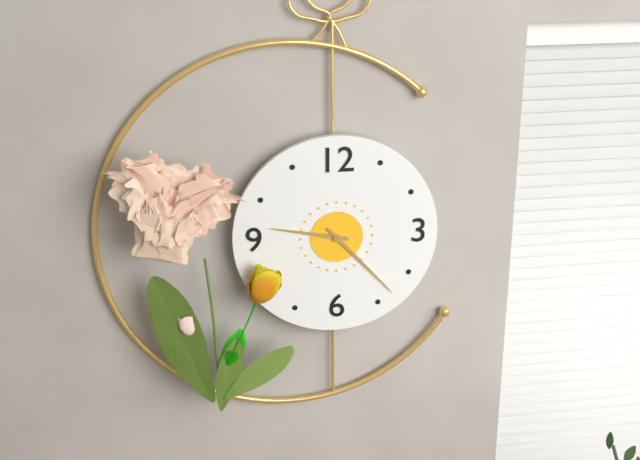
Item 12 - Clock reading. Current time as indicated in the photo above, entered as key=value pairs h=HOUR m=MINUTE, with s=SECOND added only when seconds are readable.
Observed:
h=9 m=23
